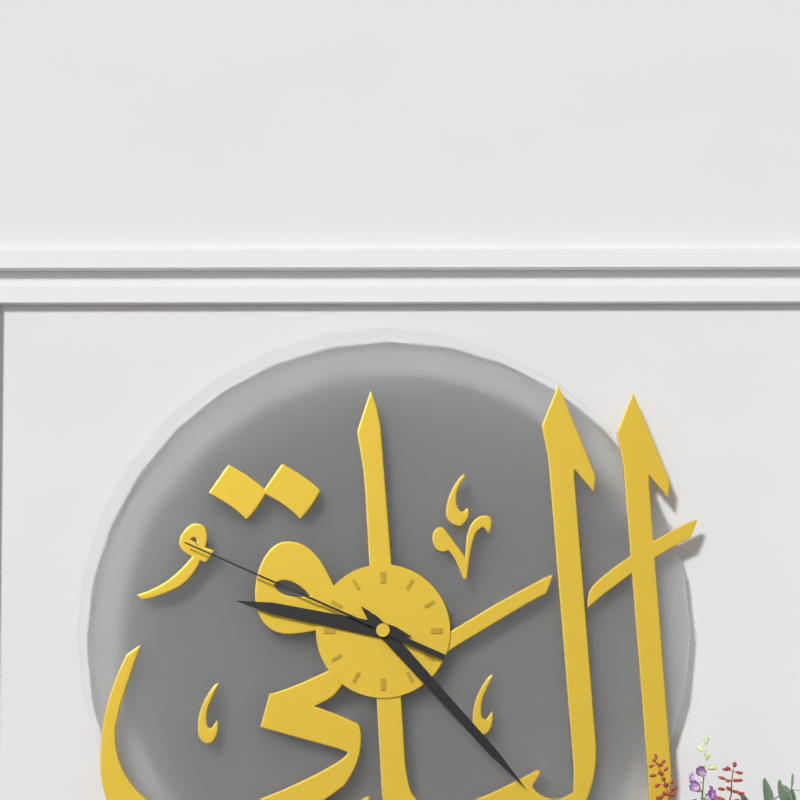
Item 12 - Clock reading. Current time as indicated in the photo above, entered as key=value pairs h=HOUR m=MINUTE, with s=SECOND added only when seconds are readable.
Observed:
h=9 m=23 s=49
